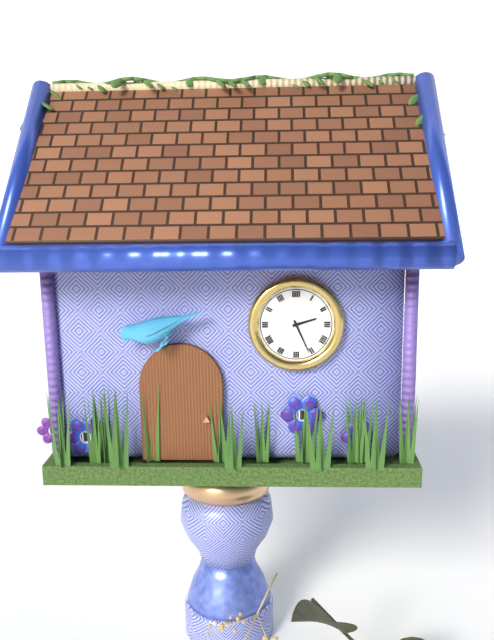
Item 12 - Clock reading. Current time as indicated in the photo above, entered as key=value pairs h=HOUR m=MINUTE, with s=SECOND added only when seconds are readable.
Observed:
h=2 m=26
